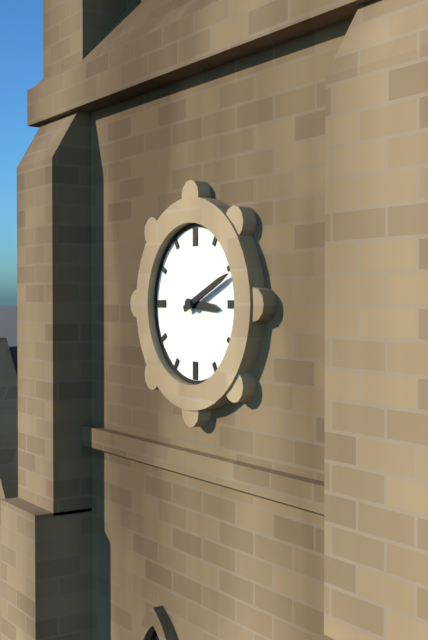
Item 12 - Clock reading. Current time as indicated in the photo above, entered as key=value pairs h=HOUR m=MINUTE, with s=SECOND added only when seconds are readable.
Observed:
h=3 m=11
